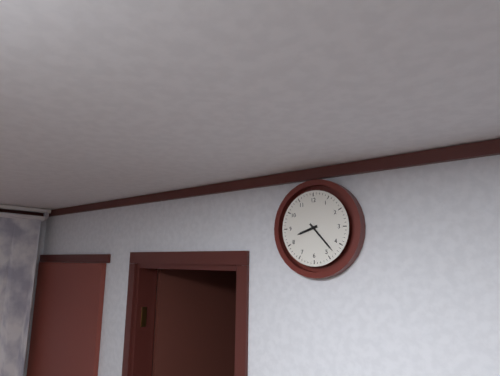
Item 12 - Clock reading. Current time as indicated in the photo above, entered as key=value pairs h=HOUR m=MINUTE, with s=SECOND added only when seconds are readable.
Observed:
h=8 m=23
